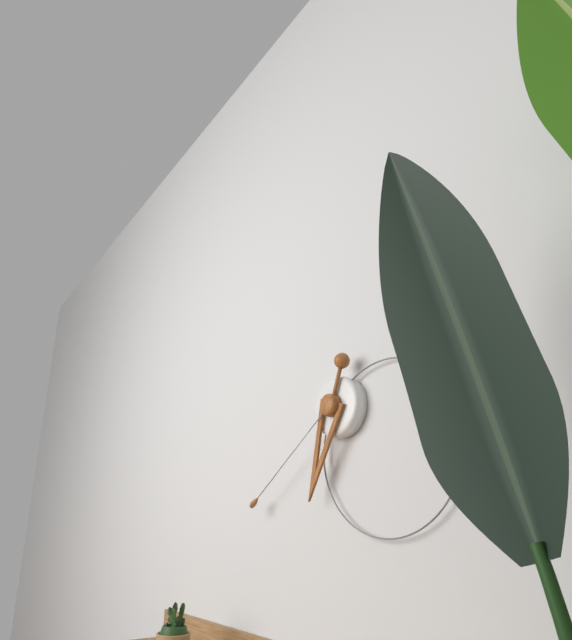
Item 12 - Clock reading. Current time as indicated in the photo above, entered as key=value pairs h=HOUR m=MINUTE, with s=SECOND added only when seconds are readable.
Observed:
h=6 m=39
